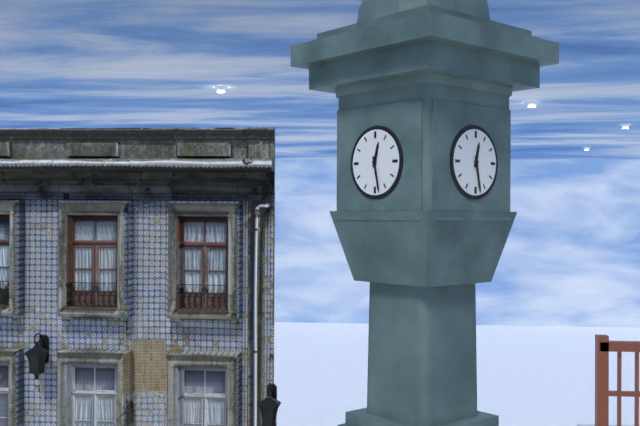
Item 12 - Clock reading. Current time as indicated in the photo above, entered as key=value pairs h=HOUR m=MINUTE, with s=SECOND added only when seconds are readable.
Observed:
h=12 m=28
